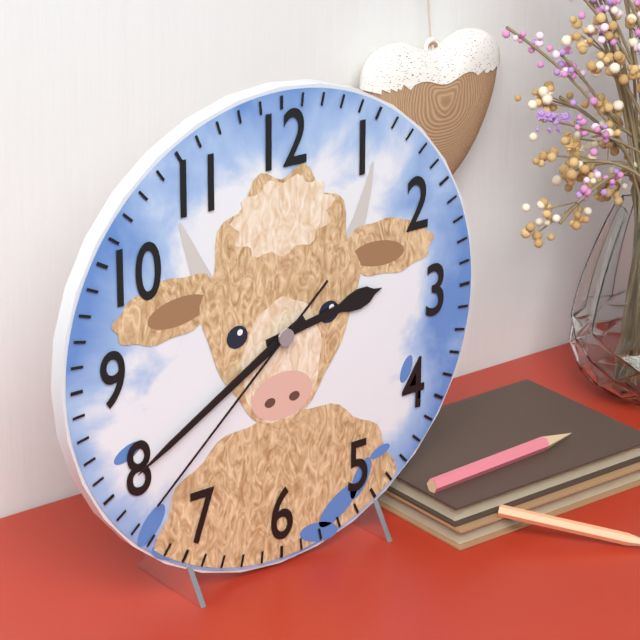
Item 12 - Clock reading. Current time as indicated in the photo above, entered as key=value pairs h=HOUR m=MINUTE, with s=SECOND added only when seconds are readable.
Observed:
h=2 m=40 s=38
